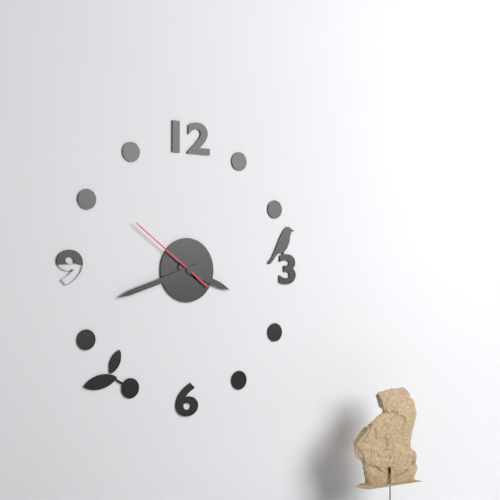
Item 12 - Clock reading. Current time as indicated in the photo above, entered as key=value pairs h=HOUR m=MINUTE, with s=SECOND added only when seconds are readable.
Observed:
h=3 m=42 s=51
